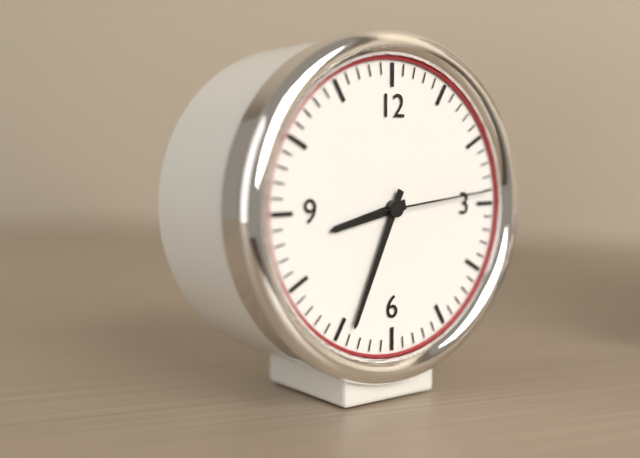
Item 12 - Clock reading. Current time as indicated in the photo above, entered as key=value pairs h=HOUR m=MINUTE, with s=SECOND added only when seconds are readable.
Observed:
h=8 m=34 s=14
